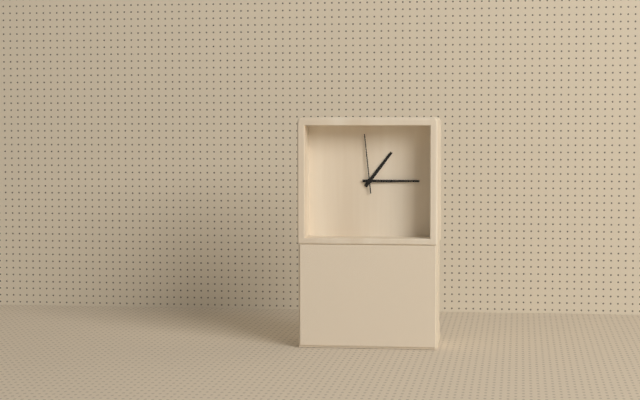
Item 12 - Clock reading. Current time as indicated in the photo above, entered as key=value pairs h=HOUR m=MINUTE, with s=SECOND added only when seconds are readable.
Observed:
h=1 m=15 s=59
